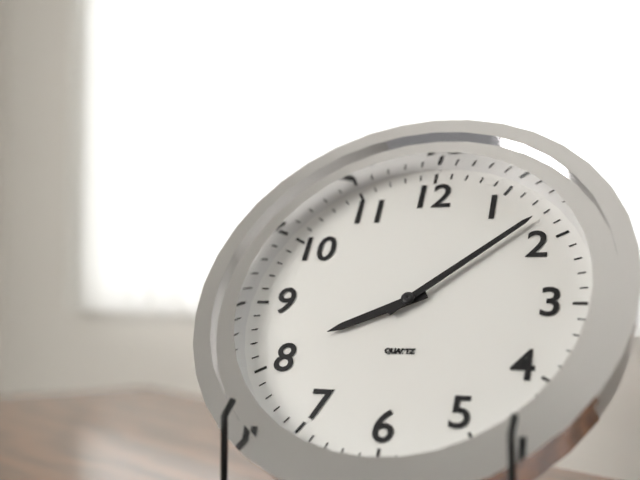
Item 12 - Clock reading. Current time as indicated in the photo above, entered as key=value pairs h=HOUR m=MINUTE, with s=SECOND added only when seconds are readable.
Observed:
h=8 m=8
